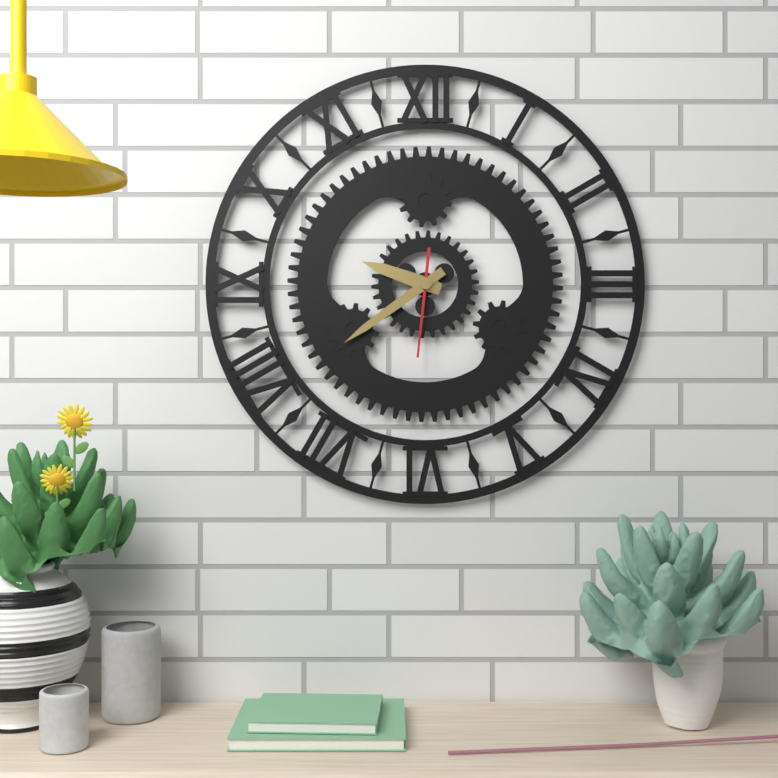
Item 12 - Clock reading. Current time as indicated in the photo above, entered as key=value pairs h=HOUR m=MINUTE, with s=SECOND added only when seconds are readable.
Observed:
h=9 m=39 s=31
